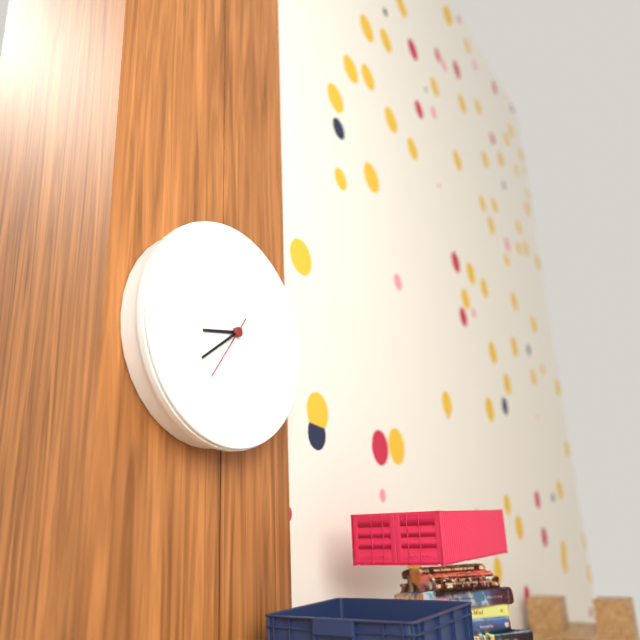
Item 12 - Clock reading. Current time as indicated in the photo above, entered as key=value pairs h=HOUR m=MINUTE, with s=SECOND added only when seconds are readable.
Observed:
h=8 m=39 s=36
